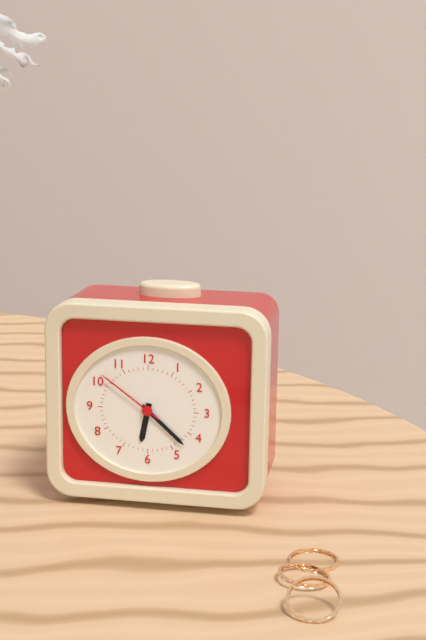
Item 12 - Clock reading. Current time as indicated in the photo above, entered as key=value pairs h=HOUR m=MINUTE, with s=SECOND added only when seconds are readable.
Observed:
h=6 m=22 s=51
